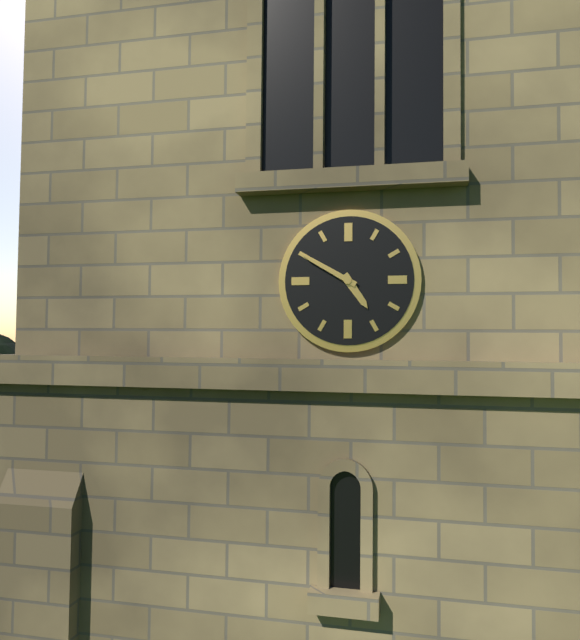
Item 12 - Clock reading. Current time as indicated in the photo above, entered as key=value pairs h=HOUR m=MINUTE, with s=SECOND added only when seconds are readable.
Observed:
h=4 m=50
